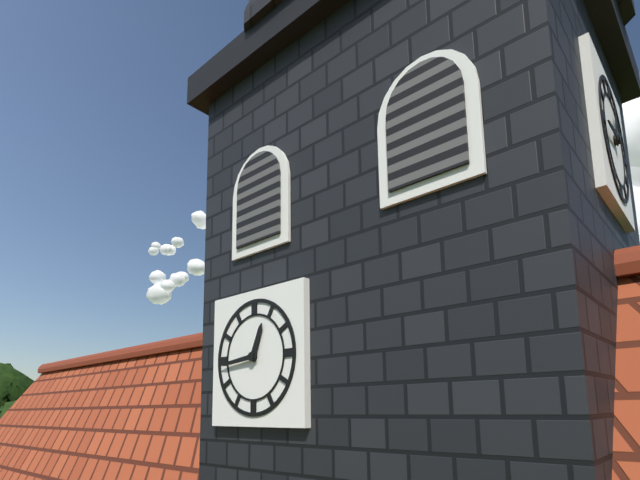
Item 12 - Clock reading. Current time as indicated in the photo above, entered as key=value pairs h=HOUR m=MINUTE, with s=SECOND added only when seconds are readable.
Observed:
h=12 m=44
